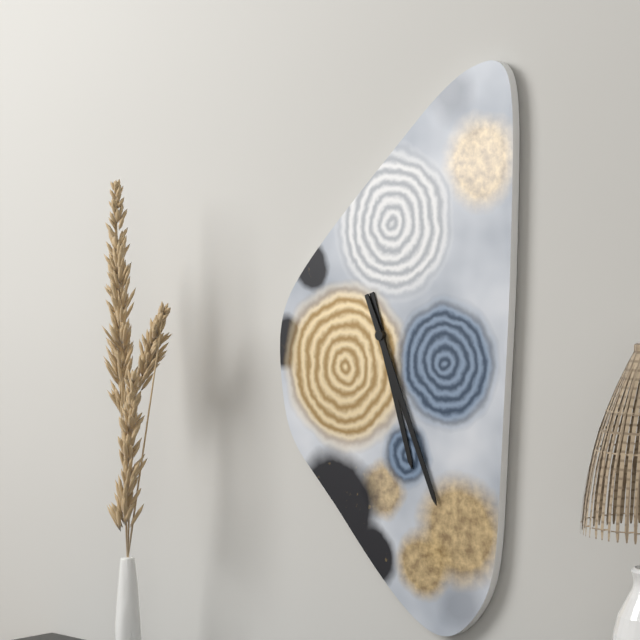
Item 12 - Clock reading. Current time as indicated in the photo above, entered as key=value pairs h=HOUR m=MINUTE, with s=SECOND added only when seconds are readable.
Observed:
h=5 m=26
